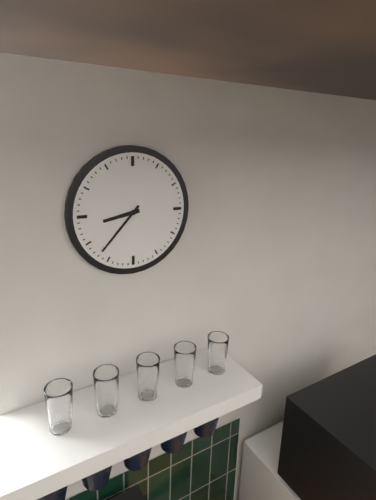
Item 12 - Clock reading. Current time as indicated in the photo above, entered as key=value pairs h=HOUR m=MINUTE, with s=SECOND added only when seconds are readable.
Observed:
h=8 m=37
